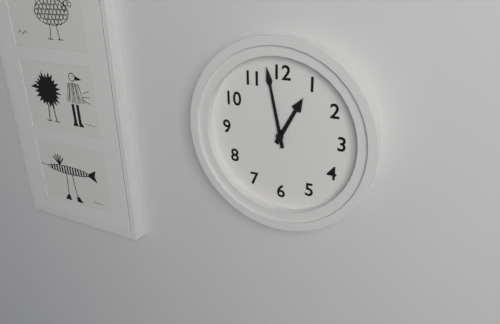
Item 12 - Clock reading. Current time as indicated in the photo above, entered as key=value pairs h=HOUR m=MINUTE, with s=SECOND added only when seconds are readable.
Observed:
h=12 m=58
